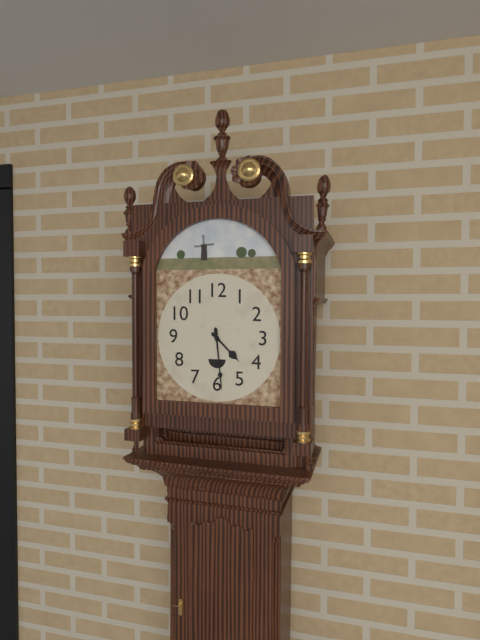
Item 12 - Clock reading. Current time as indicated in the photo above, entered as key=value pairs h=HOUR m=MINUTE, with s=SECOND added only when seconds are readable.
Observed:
h=4 m=29
